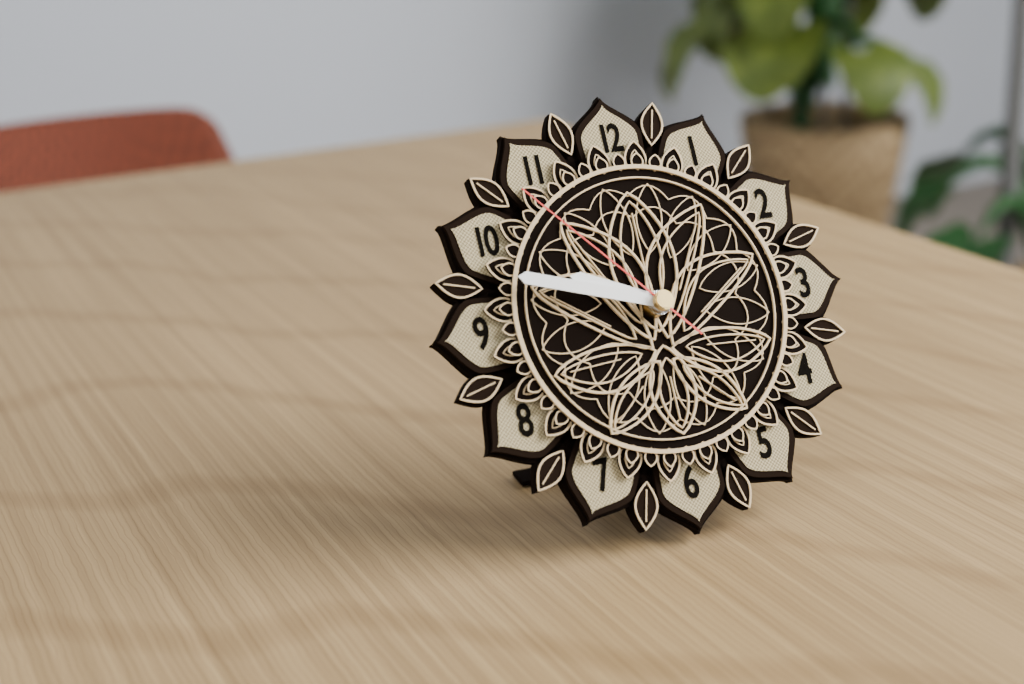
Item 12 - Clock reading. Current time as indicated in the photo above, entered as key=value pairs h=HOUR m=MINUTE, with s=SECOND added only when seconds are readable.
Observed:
h=9 m=48 s=53
